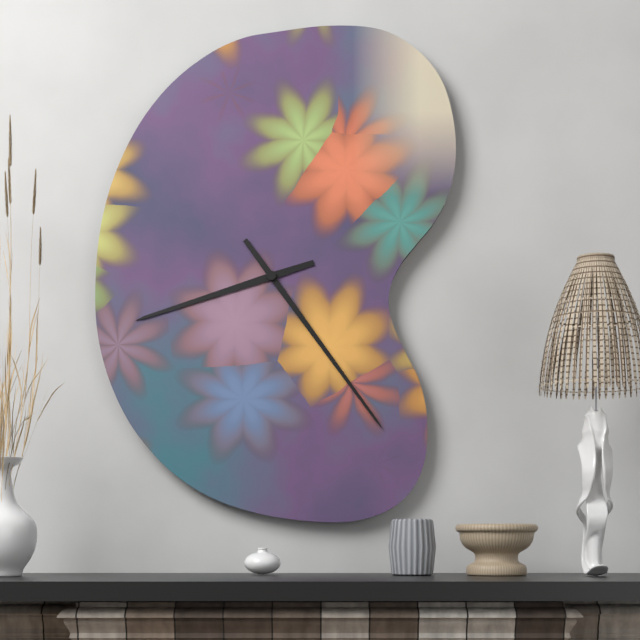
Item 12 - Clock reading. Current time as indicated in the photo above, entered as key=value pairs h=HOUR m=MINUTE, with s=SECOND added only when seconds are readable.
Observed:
h=8 m=24
